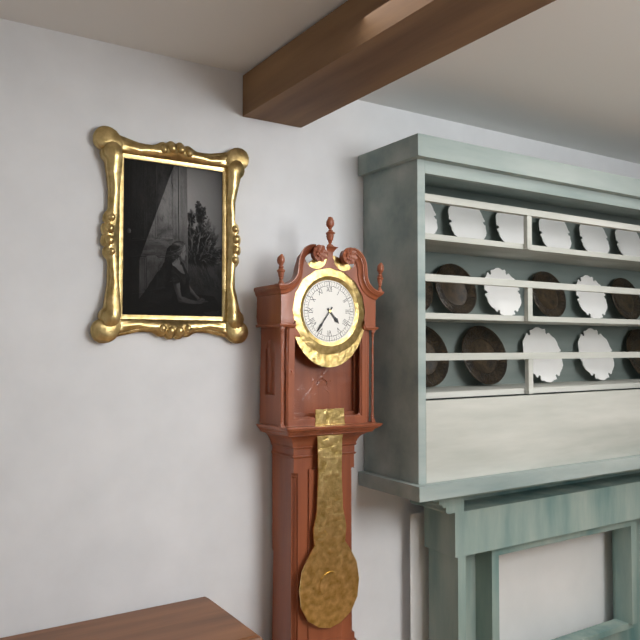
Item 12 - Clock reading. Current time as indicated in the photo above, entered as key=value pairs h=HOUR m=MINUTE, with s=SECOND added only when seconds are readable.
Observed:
h=4 m=36
